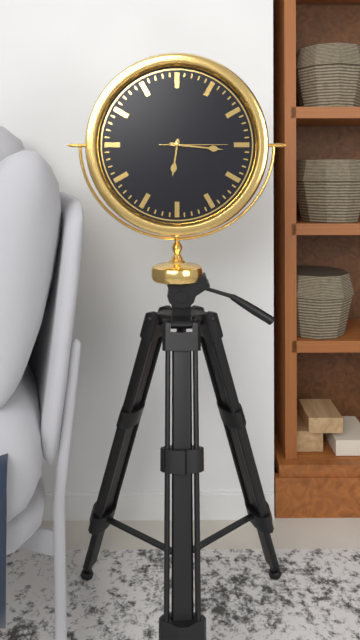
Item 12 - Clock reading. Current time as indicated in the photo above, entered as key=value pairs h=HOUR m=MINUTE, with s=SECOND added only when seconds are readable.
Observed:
h=6 m=16 s=15
